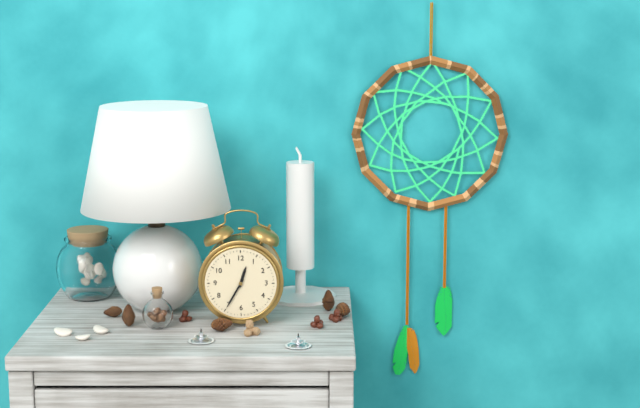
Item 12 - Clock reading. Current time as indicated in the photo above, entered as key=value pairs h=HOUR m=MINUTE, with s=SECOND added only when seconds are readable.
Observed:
h=12 m=35
